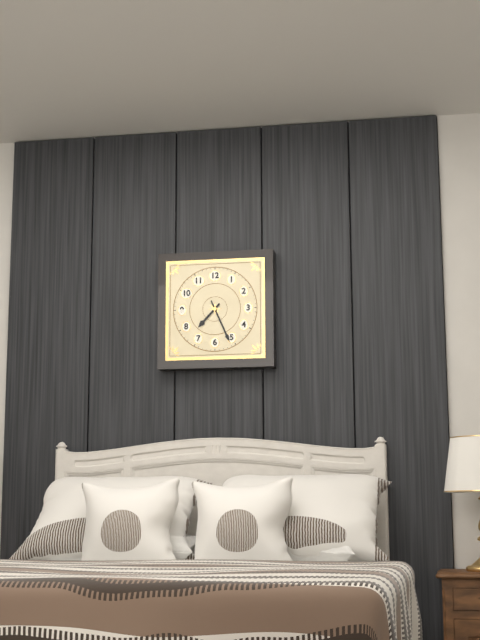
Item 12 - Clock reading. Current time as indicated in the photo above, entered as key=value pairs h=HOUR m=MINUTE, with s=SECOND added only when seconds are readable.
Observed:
h=7 m=26
